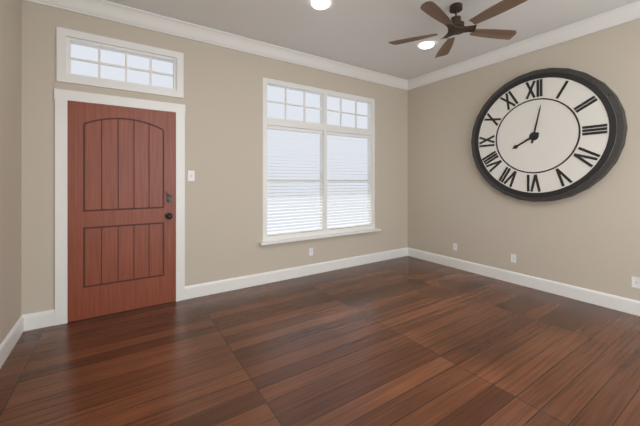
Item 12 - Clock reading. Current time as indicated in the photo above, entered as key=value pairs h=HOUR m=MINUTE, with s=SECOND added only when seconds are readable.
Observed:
h=8 m=2
